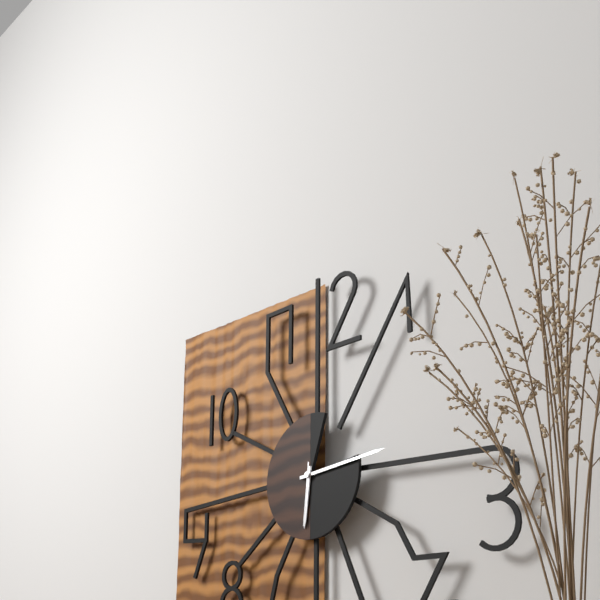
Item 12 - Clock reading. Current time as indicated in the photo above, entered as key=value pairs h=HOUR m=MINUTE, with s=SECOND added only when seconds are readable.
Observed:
h=6 m=14 s=31
